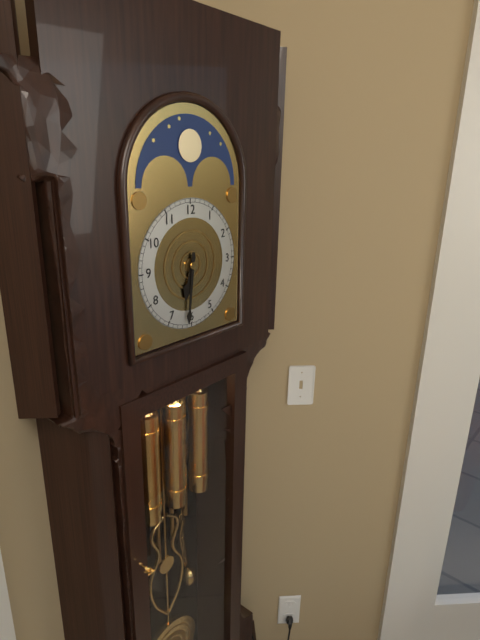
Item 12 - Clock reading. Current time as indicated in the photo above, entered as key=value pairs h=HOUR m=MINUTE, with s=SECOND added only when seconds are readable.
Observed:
h=6 m=31
